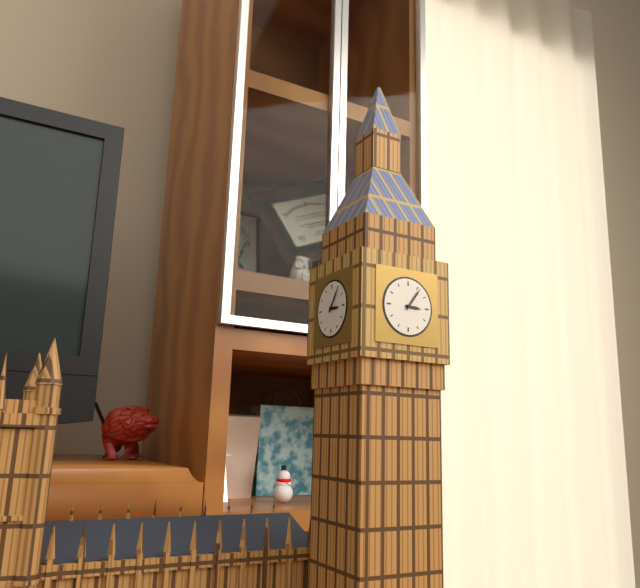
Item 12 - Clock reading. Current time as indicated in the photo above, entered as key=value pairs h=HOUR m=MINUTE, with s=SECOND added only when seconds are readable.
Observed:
h=3 m=6
